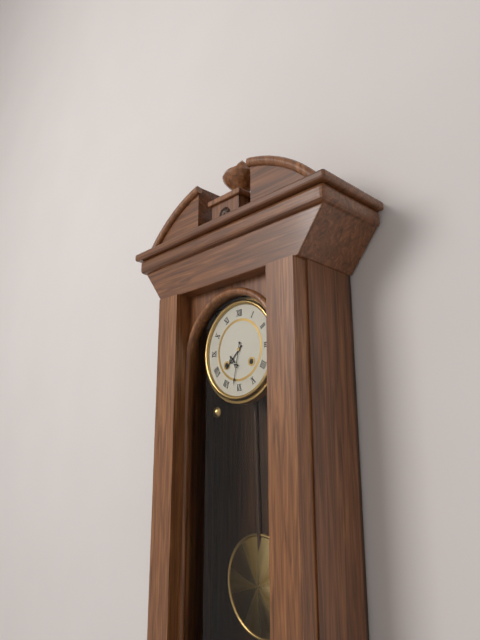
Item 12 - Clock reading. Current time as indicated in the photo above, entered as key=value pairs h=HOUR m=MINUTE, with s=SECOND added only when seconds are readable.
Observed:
h=7 m=32
